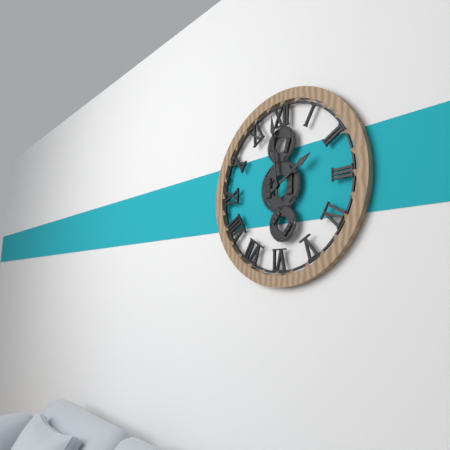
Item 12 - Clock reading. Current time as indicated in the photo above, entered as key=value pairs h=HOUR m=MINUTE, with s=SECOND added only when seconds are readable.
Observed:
h=1 m=59
